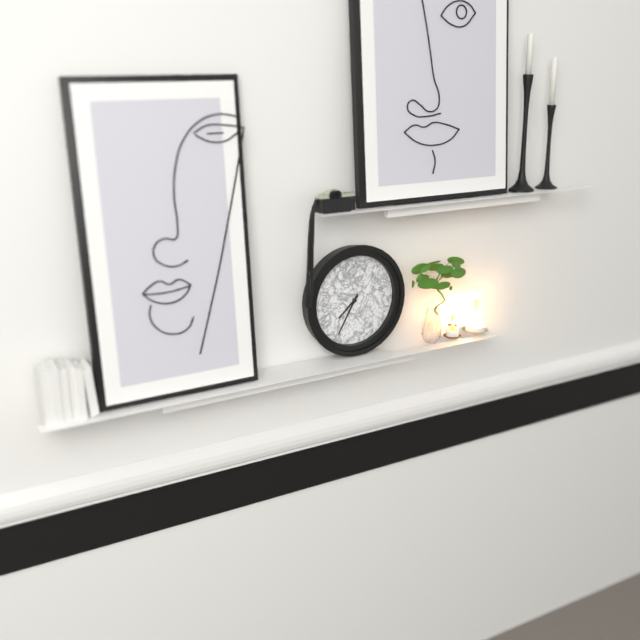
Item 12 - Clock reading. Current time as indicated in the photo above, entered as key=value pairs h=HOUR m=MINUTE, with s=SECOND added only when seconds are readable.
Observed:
h=7 m=35
